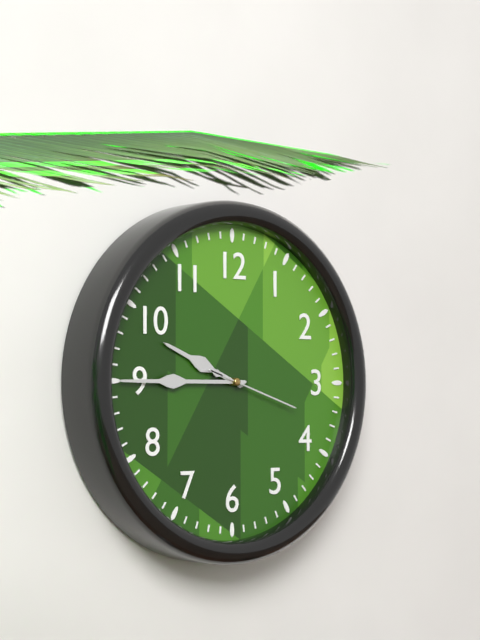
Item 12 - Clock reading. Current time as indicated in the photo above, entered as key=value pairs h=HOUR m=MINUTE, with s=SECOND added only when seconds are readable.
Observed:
h=9 m=45 s=18
